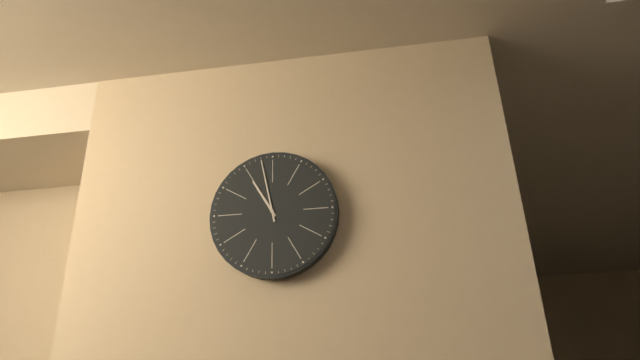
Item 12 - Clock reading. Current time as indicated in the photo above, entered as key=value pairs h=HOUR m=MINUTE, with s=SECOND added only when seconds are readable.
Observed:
h=10 m=58
